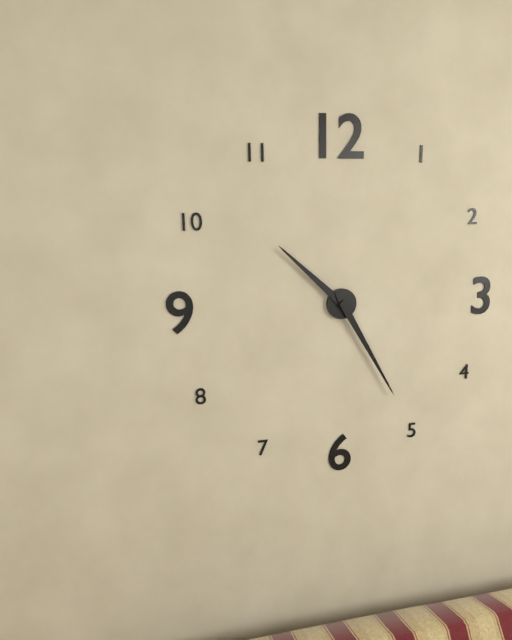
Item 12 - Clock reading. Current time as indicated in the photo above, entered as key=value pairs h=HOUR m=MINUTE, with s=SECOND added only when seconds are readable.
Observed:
h=10 m=25
